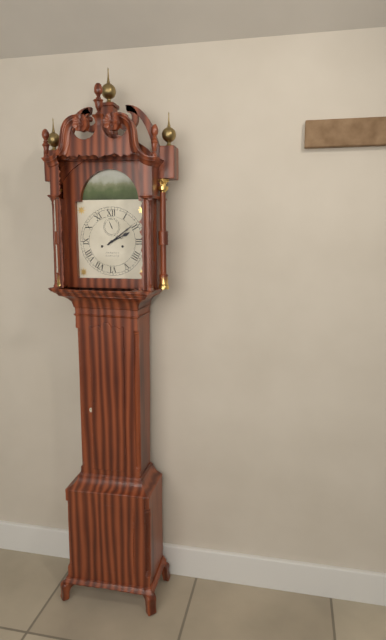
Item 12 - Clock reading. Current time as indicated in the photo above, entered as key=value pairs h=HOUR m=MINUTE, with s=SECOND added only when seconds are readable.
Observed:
h=2 m=9
